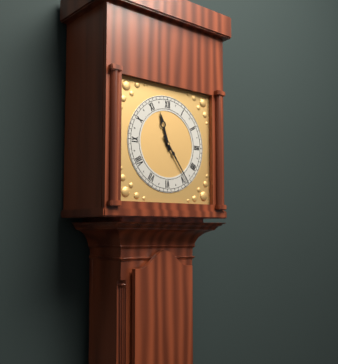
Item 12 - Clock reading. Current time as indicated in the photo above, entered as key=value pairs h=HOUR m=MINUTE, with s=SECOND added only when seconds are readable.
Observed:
h=11 m=24
